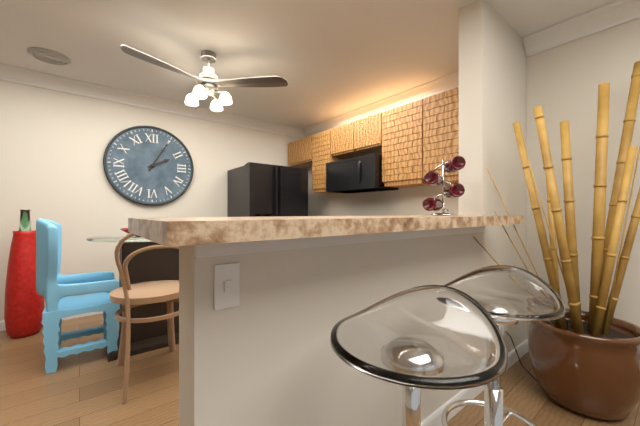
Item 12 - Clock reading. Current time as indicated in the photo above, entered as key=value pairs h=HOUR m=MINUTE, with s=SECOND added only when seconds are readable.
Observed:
h=2 m=5
